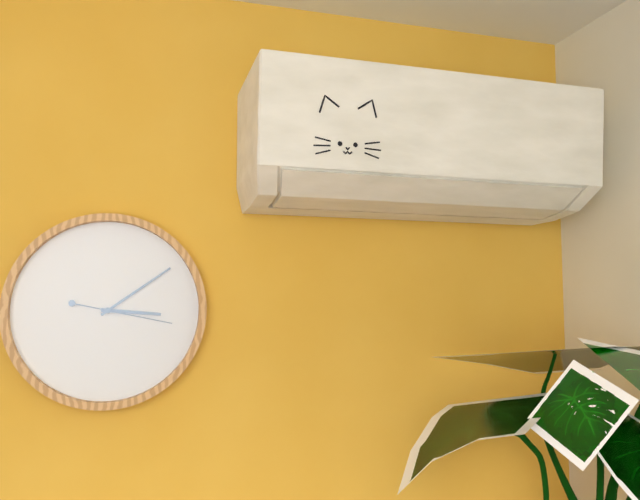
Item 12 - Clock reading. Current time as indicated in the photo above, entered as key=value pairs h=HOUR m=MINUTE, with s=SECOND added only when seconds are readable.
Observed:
h=3 m=9 s=17
